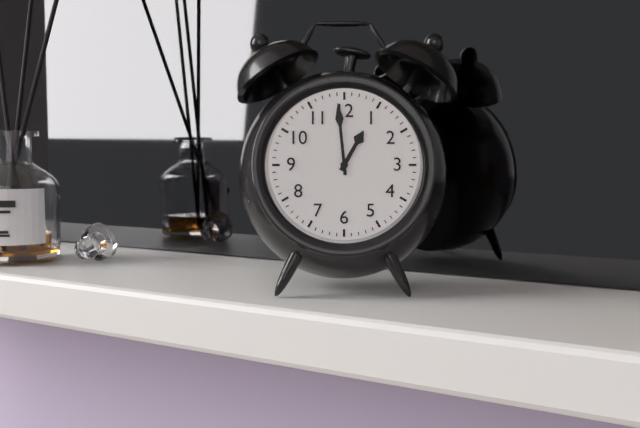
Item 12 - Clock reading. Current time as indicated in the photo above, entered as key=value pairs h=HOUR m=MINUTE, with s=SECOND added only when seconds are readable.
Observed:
h=12 m=59
